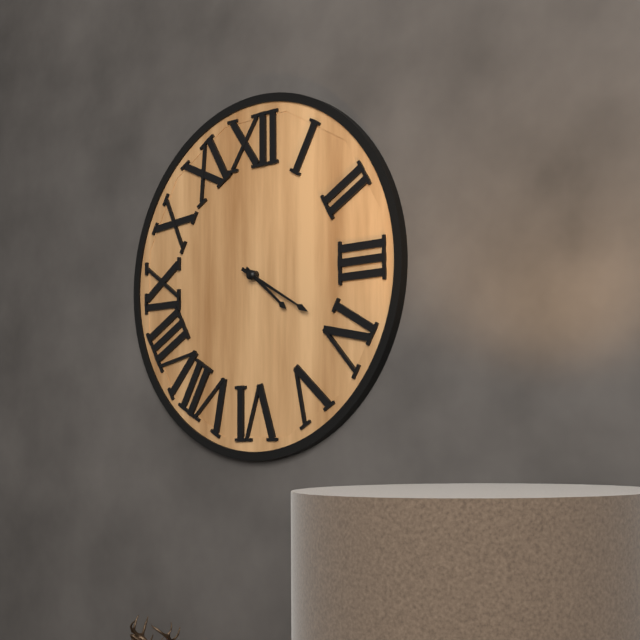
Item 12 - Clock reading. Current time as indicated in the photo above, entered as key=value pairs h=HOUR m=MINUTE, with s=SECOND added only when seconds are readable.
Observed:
h=4 m=20
